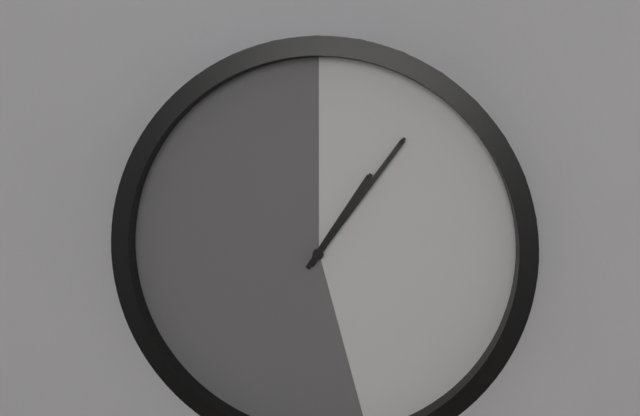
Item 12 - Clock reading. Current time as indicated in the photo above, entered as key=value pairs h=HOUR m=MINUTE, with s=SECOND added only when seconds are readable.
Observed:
h=1 m=6
